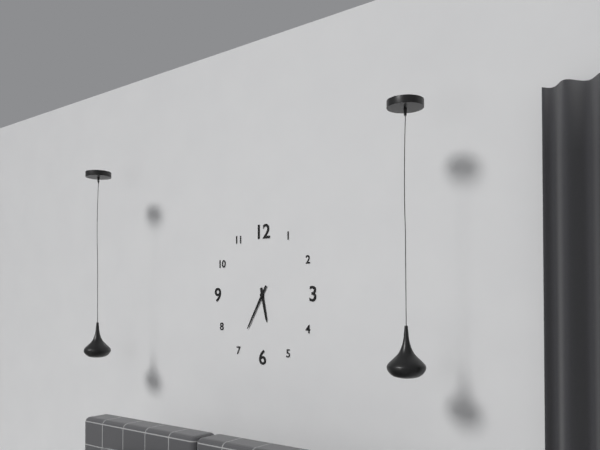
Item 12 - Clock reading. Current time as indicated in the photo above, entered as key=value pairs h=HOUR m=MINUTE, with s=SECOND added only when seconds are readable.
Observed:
h=5 m=35
